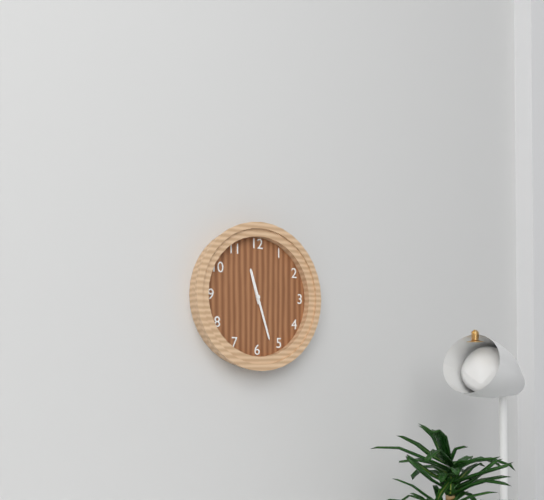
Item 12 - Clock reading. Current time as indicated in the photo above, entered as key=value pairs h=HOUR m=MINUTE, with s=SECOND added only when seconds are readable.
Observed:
h=11 m=27
